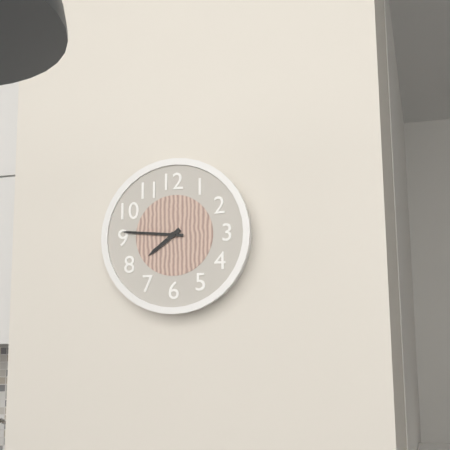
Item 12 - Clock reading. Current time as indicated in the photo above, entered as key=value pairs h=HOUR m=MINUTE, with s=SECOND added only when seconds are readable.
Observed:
h=7 m=46
